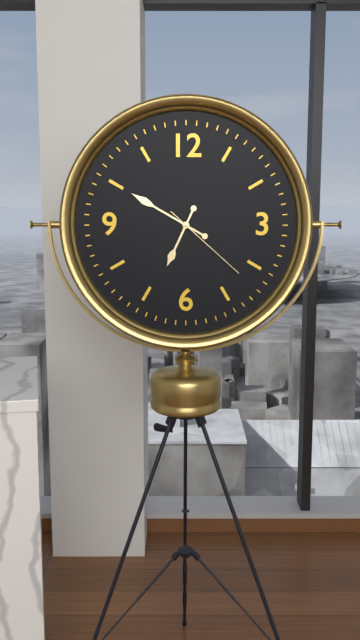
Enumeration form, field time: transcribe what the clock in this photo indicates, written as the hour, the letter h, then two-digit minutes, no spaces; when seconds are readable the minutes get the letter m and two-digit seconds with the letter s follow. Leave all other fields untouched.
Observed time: 6h50m22s
